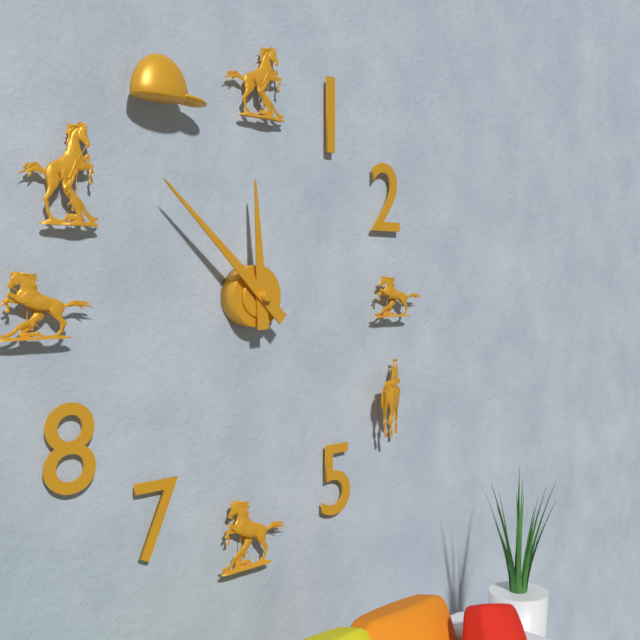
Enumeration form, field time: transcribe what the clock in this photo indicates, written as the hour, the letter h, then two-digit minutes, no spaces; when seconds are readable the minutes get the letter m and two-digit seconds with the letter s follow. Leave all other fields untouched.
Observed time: 11h52
